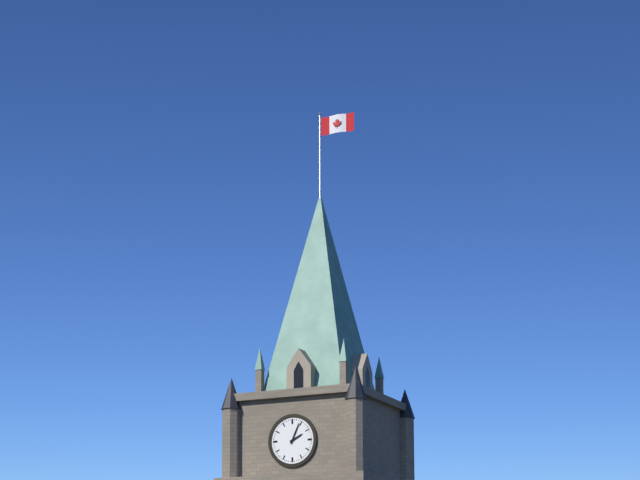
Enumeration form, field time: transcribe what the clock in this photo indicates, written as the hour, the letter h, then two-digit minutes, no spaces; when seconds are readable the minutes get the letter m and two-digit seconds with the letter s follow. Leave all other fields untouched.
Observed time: 2h04
